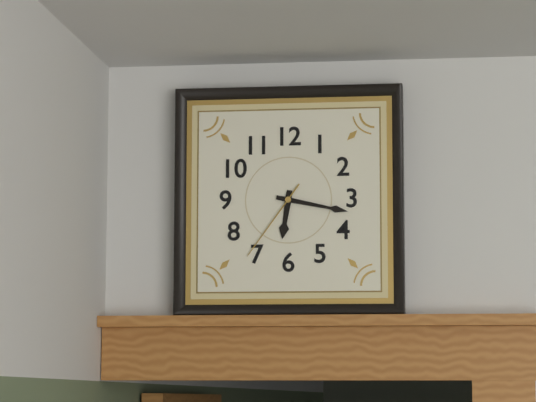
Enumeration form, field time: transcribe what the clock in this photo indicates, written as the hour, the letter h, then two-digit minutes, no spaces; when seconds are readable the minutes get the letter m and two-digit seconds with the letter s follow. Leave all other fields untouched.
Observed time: 6h17m36s
